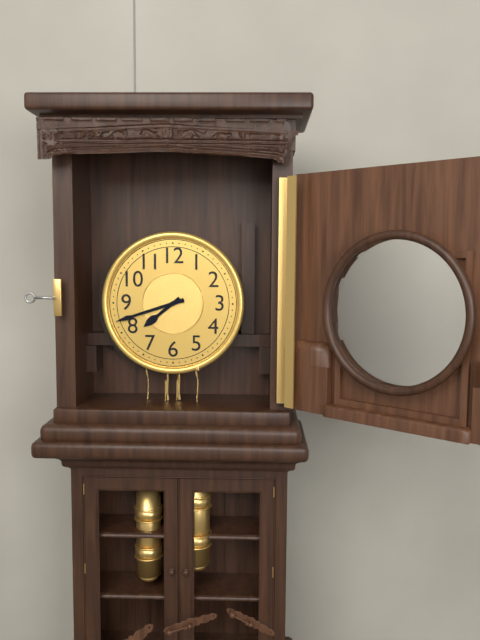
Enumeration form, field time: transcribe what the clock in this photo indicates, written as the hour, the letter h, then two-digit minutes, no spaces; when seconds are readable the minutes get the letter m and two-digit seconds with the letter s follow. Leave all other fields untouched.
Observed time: 7h42
